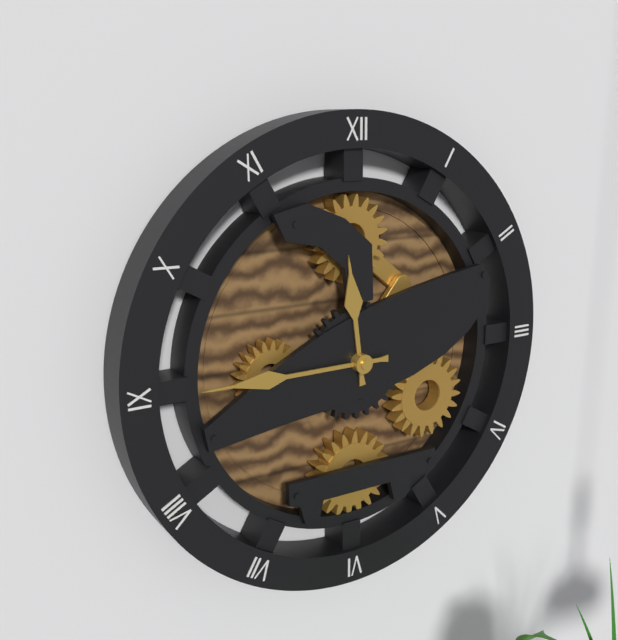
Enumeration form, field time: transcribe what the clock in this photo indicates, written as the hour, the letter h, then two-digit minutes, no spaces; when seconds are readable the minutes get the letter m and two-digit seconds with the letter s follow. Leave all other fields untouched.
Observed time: 11h45
